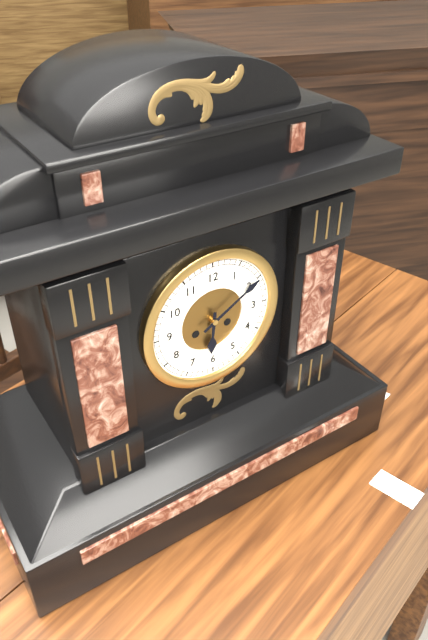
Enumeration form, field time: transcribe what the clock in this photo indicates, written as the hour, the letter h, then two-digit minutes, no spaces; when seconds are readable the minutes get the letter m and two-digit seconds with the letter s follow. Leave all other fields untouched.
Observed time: 6h10
